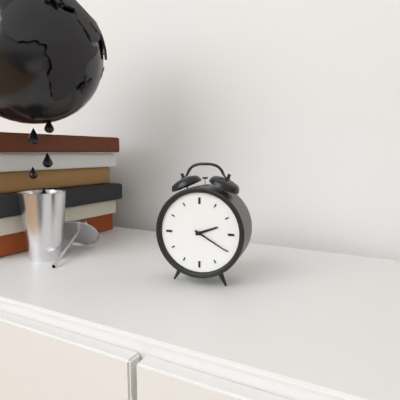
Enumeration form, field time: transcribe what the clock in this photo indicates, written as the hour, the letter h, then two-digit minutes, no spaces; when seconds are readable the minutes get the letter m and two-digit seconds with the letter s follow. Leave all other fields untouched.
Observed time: 2h20
